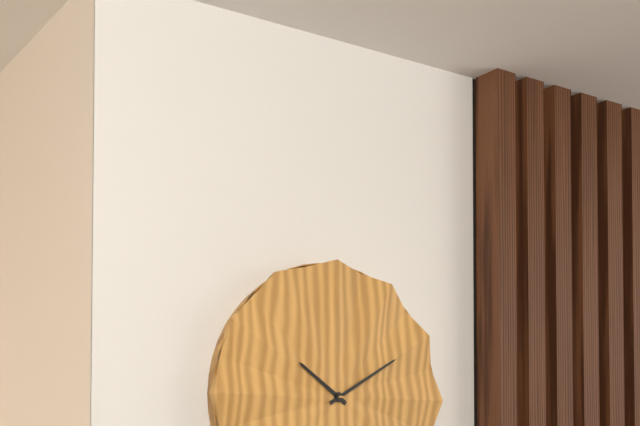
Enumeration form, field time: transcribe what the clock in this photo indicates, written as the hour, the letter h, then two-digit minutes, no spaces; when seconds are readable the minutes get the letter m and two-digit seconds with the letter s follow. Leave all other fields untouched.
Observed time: 10h10
